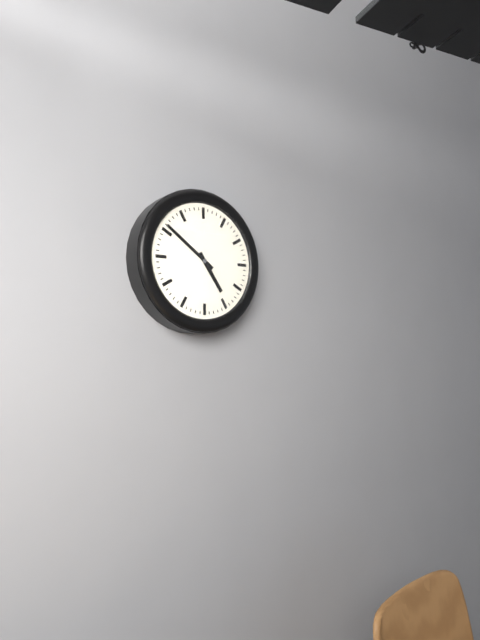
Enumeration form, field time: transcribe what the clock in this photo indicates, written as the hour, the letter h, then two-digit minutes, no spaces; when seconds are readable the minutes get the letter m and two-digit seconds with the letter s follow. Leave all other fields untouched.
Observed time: 4h51
